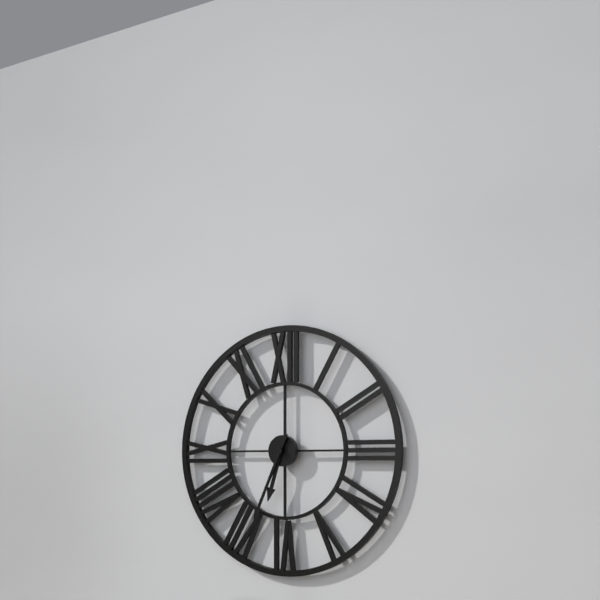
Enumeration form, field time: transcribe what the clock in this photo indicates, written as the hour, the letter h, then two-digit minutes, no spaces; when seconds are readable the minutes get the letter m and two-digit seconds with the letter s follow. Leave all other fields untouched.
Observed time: 6h34
